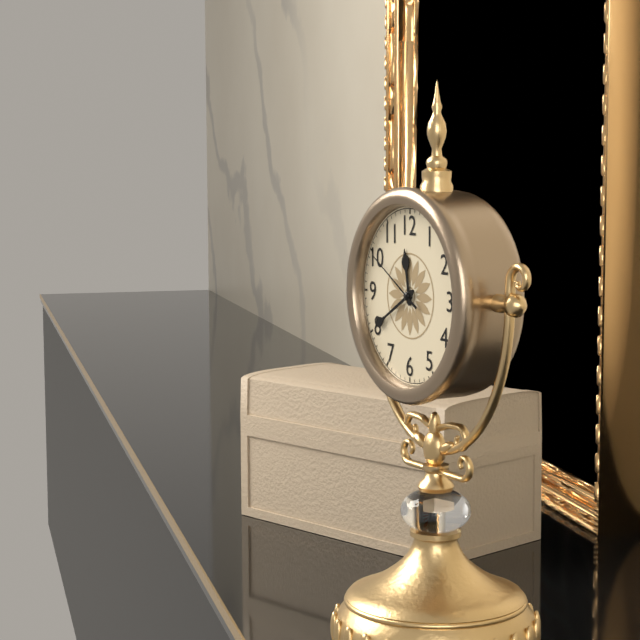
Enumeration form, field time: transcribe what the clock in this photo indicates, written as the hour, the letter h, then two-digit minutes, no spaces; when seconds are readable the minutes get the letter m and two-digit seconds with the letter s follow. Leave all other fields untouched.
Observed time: 11h40m50s
